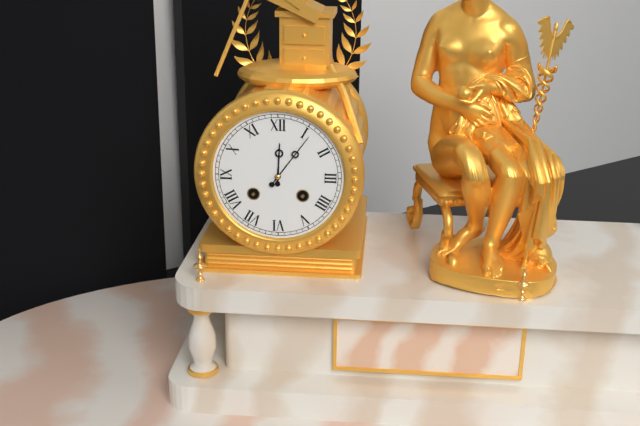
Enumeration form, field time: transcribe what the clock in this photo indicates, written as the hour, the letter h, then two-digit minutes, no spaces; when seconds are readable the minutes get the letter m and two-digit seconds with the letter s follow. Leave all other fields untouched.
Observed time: 12h06
